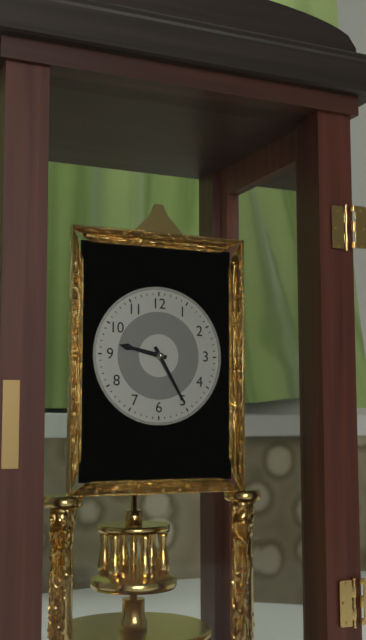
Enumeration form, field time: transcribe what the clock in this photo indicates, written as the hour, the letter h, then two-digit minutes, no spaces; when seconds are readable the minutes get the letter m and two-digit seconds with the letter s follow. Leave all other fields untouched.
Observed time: 9h25
